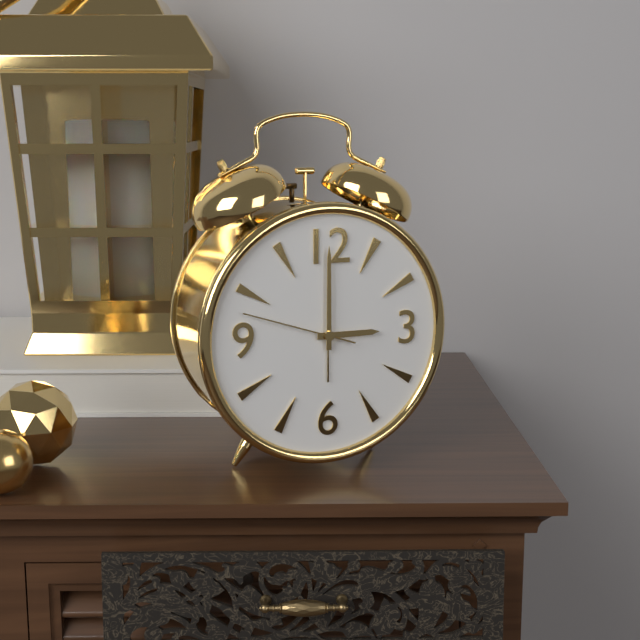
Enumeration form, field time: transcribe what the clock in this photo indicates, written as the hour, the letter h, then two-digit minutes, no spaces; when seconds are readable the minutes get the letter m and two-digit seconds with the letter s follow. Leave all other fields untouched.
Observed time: 3h00m48s
